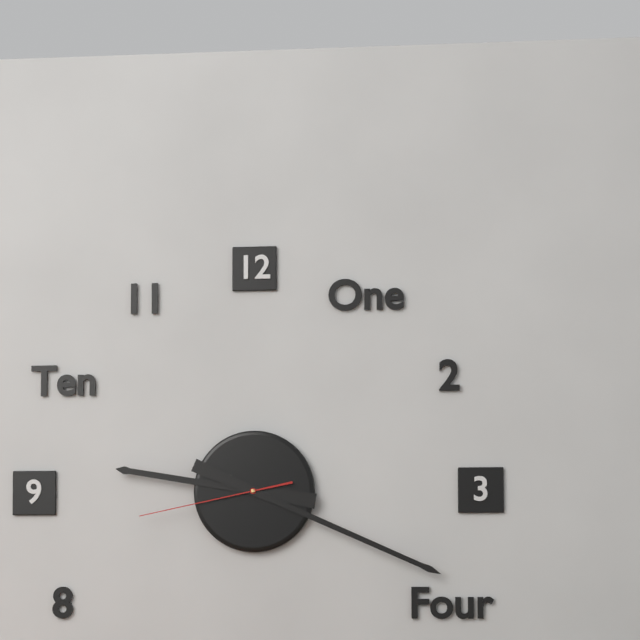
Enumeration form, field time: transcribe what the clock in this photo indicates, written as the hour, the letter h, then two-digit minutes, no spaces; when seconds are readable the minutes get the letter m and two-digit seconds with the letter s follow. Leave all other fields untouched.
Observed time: 9h19m43s
